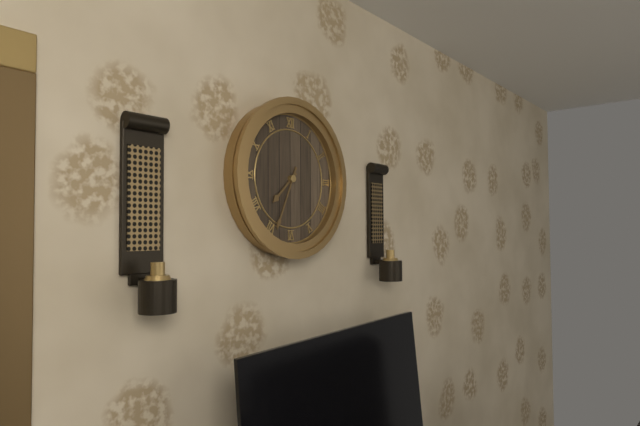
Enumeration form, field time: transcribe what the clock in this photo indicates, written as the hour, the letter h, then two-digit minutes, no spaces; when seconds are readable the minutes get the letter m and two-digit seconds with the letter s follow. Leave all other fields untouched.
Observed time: 7h34
